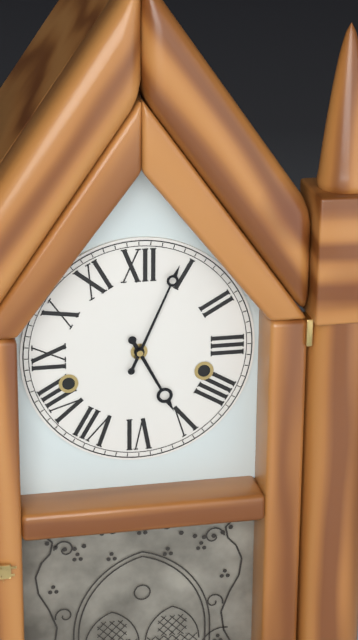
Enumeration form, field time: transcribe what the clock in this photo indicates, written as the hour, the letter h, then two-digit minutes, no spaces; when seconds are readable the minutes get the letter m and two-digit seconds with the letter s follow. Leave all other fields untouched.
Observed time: 5h04
